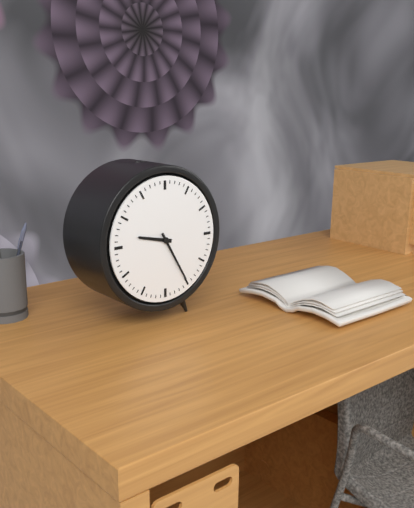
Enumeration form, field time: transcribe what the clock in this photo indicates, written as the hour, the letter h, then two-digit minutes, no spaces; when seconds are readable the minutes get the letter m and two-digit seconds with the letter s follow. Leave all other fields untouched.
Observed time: 9h25
